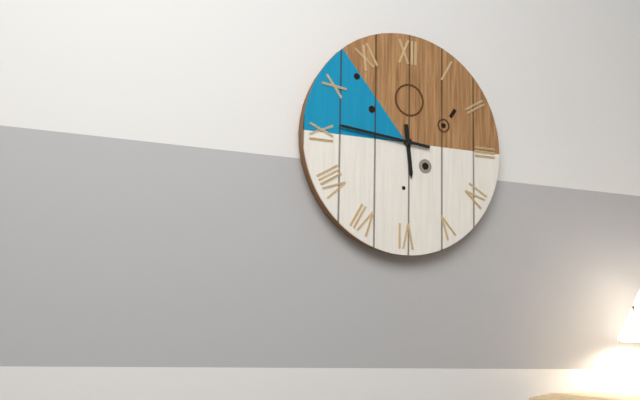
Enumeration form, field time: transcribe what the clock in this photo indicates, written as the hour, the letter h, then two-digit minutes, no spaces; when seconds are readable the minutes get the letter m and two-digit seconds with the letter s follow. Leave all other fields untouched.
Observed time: 5h46
